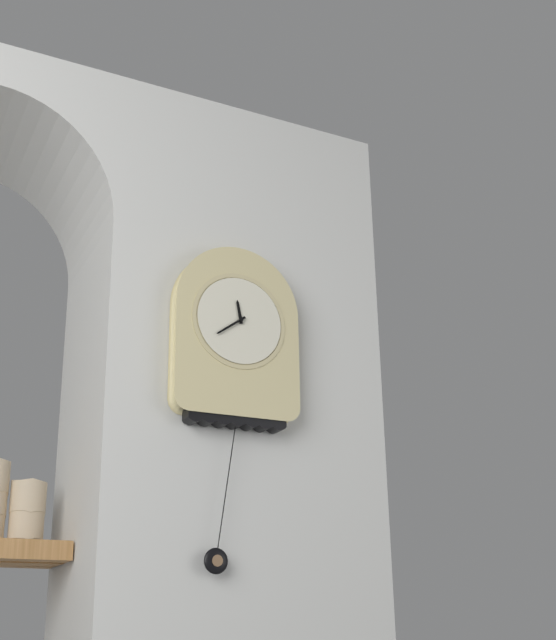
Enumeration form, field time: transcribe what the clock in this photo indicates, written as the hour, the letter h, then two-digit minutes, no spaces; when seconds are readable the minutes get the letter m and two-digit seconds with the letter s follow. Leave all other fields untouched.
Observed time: 11h39
